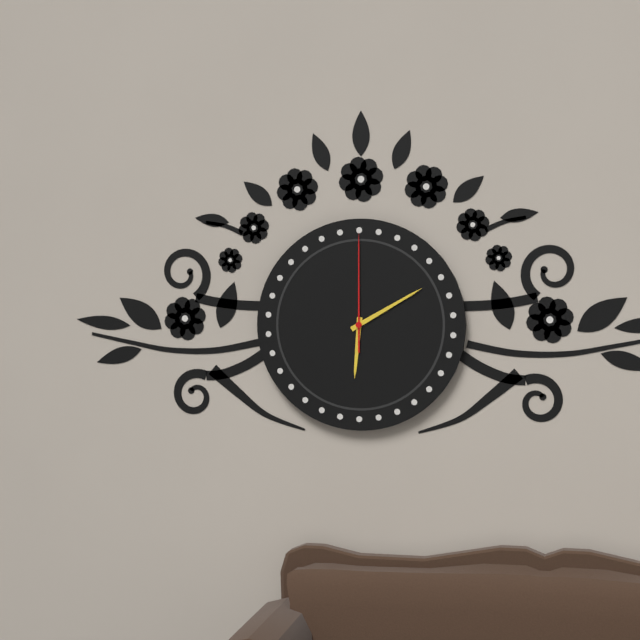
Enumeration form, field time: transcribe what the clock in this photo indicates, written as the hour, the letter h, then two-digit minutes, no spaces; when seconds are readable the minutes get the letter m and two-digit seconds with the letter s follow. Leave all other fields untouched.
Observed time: 6h10m00s
